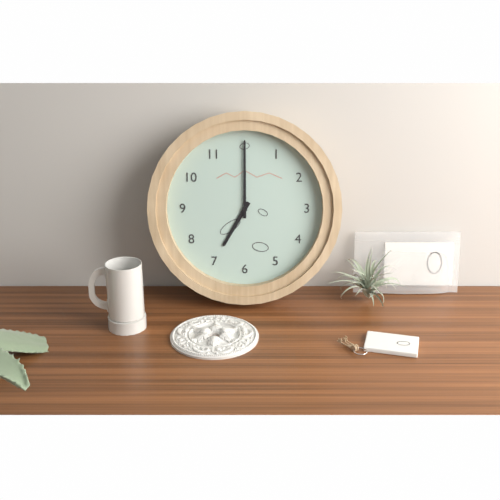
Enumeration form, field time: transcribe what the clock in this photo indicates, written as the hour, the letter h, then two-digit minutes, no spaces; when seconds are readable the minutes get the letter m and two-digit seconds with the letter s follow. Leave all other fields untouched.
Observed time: 7h00
